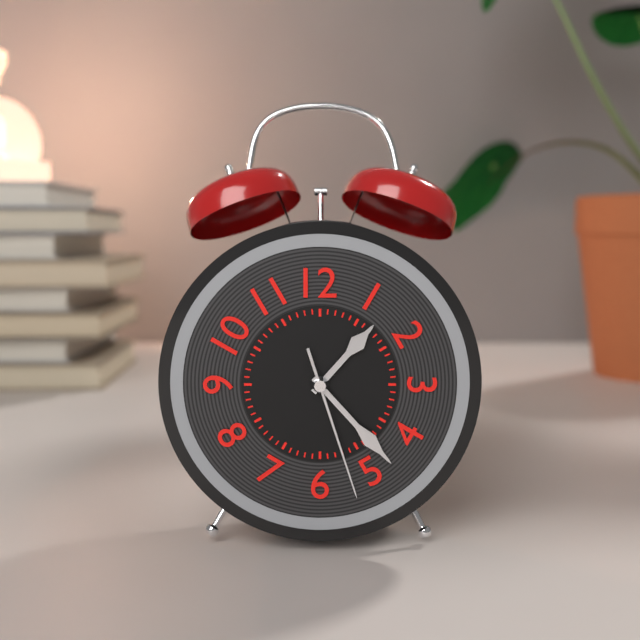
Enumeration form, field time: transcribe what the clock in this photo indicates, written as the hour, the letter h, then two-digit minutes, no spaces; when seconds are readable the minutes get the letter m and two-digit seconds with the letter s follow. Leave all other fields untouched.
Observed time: 1h23m27s
